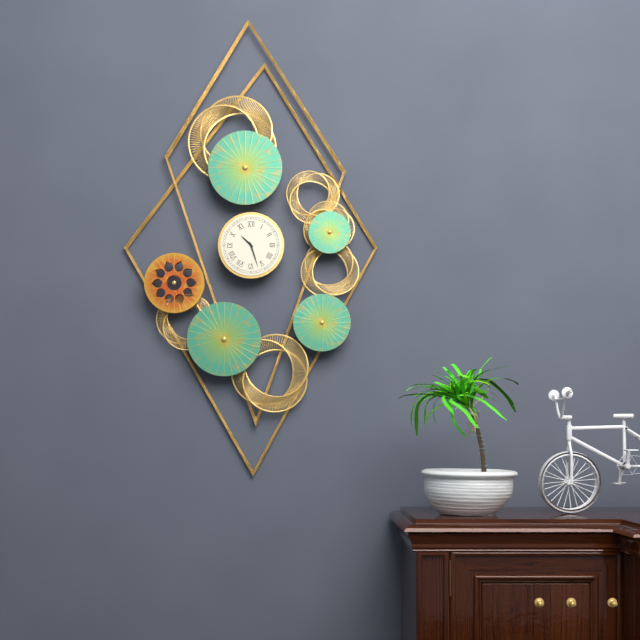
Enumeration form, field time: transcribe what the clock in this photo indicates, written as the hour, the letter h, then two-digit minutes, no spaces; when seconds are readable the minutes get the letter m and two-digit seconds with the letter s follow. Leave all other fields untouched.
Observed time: 10h27
